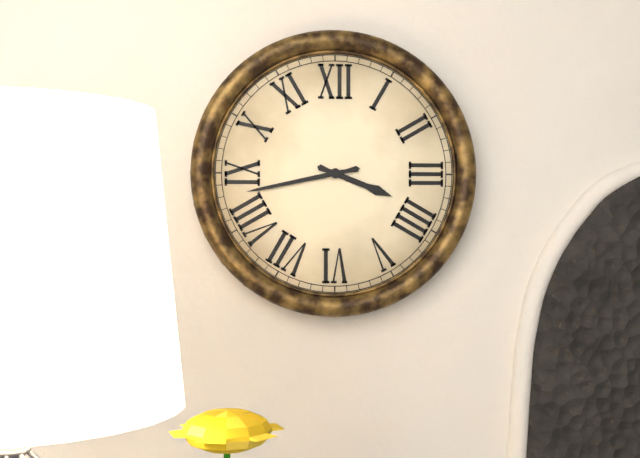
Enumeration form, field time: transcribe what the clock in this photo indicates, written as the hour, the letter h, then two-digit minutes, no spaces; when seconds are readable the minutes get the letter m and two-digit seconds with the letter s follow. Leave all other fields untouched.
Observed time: 3h43
